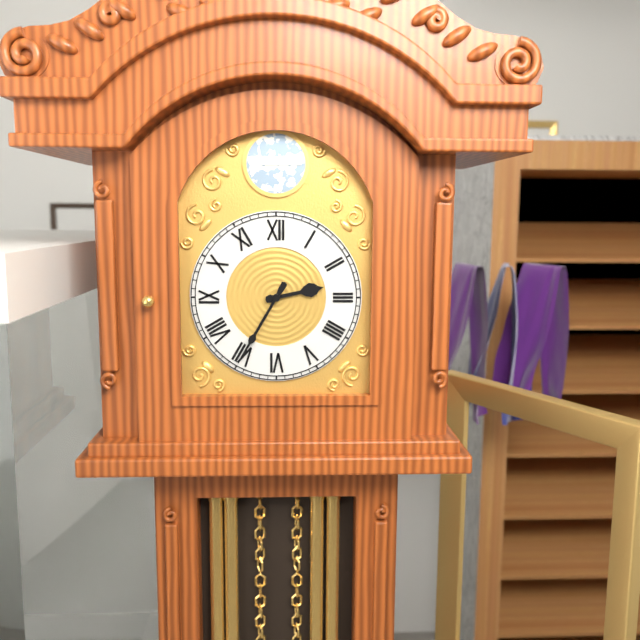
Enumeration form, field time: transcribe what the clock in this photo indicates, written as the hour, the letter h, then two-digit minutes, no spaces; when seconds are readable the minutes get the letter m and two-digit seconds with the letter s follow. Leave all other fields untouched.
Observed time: 2h35
